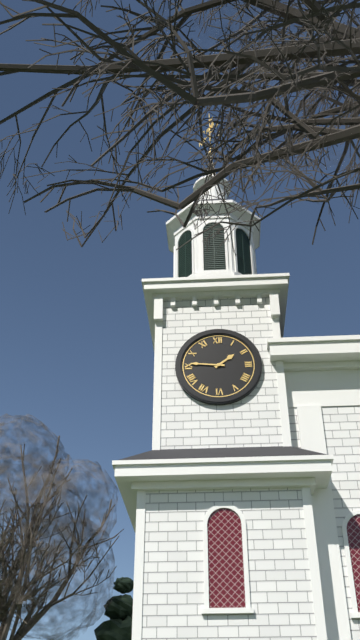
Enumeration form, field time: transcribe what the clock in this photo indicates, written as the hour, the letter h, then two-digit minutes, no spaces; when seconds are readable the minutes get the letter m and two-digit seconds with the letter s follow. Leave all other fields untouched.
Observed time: 1h46
